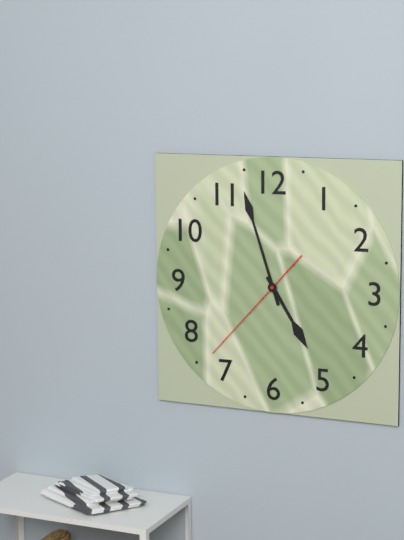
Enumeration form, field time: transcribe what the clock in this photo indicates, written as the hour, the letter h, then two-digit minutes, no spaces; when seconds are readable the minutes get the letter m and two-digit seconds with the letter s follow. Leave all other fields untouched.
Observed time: 4h57m37s
